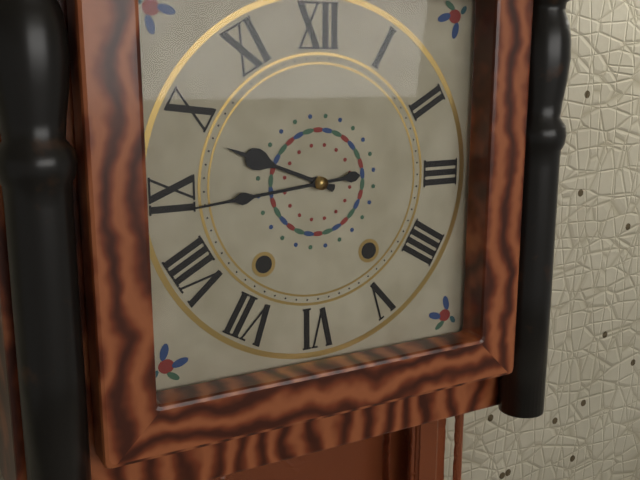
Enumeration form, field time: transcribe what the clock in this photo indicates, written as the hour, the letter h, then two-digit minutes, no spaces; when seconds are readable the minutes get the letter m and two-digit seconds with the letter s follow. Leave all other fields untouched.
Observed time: 9h44
